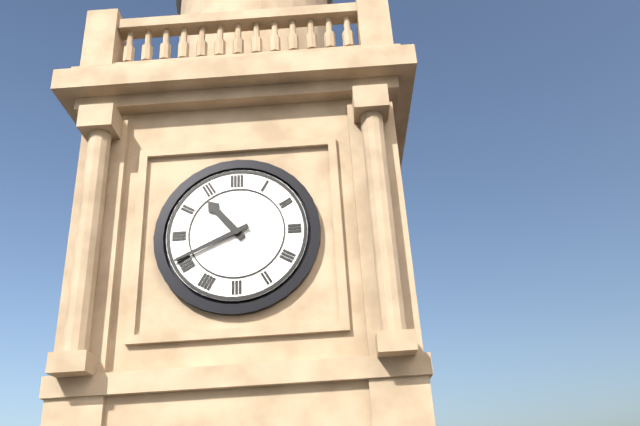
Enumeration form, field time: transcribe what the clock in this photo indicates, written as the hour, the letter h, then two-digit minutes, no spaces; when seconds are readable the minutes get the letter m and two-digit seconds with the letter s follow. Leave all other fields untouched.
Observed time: 10h41
